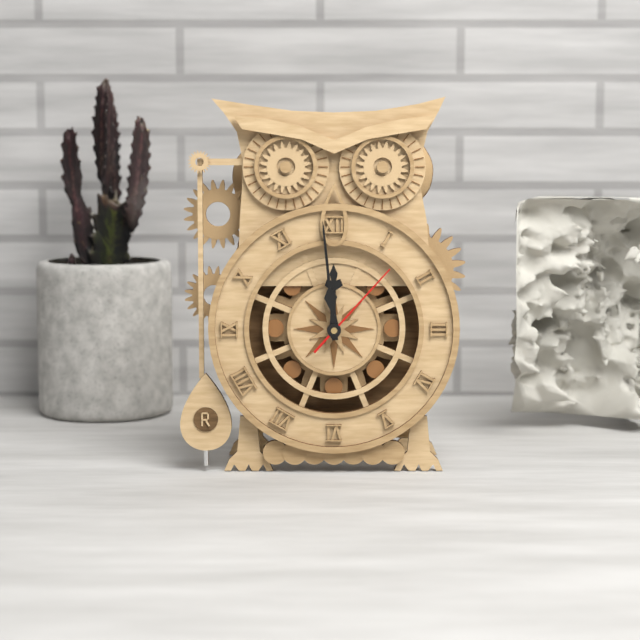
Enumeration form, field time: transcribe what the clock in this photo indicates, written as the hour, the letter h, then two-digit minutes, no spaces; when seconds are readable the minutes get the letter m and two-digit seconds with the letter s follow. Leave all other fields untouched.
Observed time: 11h59m07s
